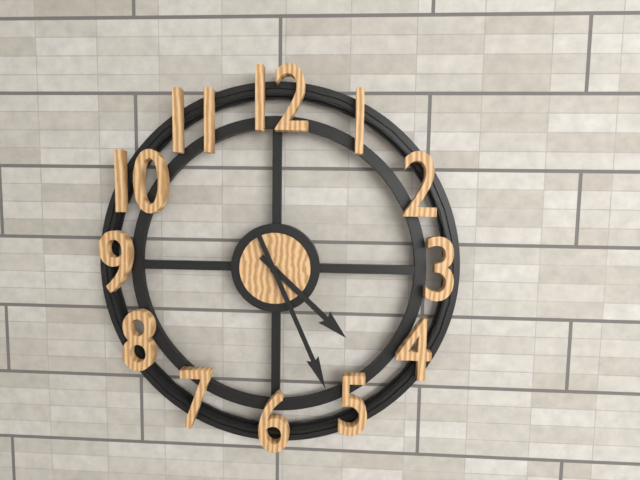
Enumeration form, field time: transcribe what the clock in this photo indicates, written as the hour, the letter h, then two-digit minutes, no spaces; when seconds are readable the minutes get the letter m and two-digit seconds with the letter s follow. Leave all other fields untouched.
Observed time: 4h26
